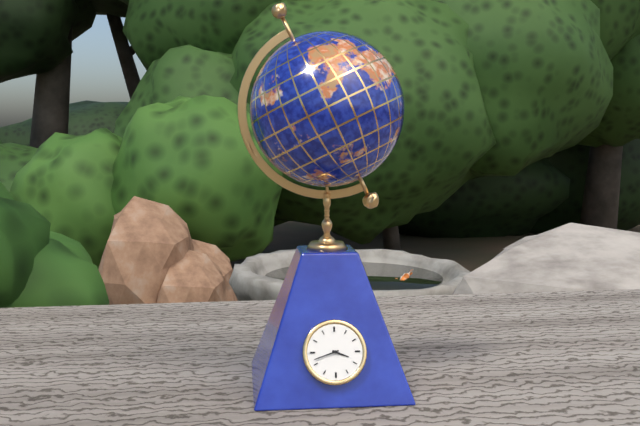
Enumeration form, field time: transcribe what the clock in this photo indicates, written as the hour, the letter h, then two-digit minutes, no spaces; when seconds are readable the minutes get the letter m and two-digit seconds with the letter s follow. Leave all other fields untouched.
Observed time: 3h42
